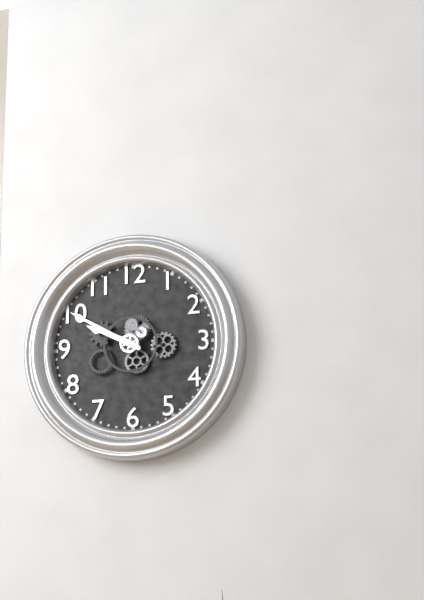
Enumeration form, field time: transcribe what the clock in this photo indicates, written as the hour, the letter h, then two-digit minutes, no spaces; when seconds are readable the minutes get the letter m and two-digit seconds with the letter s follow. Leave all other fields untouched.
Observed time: 9h50
